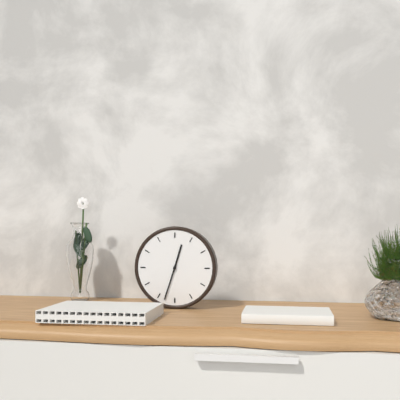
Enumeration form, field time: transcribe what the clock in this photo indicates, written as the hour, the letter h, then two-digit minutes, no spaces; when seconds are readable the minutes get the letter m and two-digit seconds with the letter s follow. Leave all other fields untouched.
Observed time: 12h33
